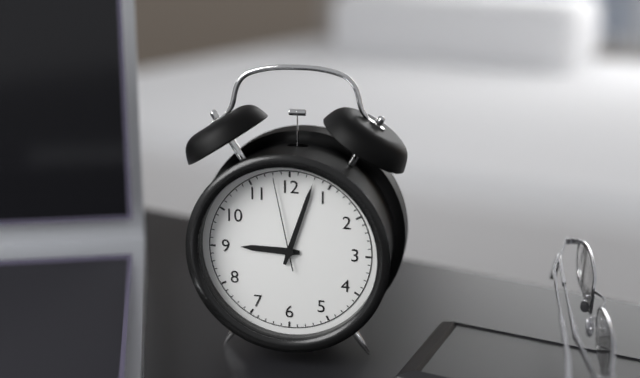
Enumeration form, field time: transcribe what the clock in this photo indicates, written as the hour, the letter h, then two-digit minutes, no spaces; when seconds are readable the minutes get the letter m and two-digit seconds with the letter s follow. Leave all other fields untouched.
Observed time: 9h03m58s
